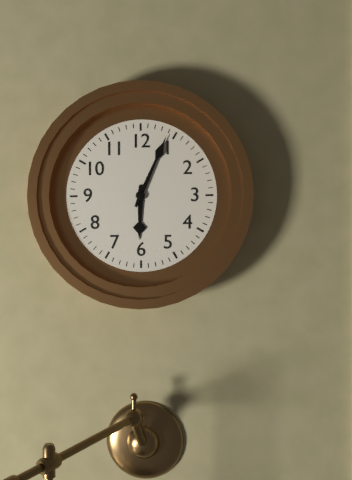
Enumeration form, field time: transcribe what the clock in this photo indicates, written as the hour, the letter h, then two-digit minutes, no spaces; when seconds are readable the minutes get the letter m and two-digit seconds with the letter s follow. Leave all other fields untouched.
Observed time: 6h04
